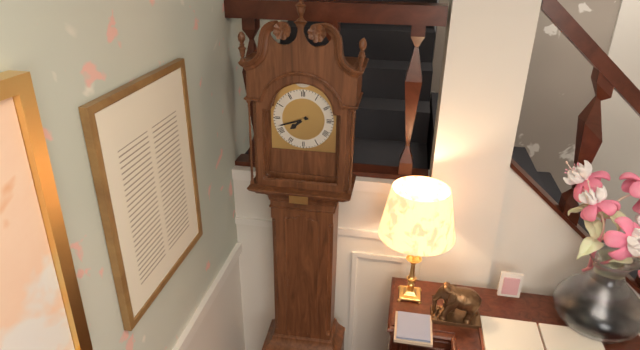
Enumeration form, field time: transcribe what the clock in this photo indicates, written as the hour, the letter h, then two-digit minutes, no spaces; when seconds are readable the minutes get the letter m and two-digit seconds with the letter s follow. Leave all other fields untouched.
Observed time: 7h42
